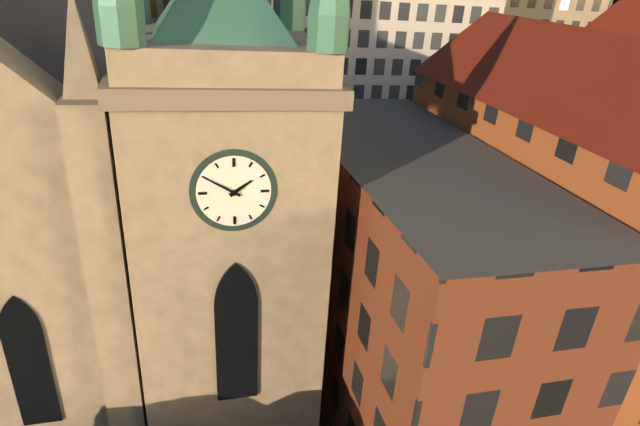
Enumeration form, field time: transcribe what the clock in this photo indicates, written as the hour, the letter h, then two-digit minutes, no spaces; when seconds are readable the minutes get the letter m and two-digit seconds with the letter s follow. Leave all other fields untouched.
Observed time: 1h50
